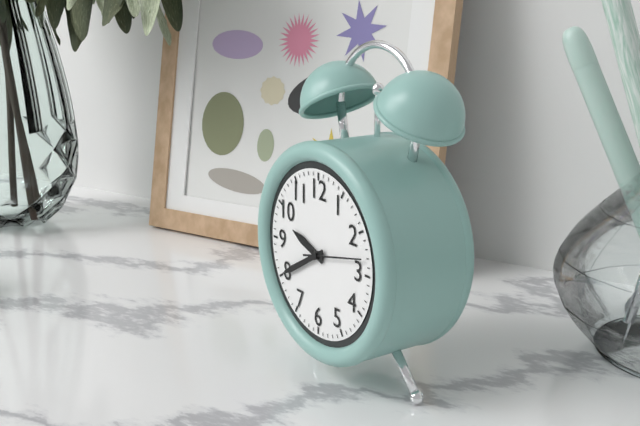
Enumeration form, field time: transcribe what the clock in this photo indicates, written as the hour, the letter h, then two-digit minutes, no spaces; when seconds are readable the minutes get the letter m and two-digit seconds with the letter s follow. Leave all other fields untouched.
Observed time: 9h40m13s
